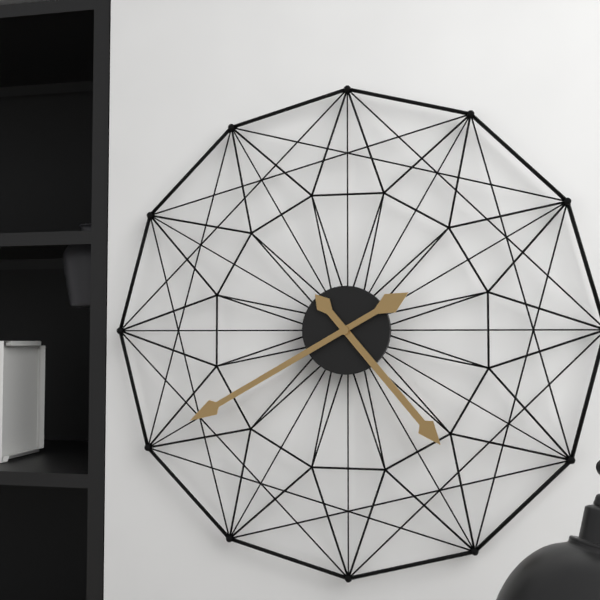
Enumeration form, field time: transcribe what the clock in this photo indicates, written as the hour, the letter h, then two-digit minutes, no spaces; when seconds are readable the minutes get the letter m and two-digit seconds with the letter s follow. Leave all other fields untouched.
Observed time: 4h40
